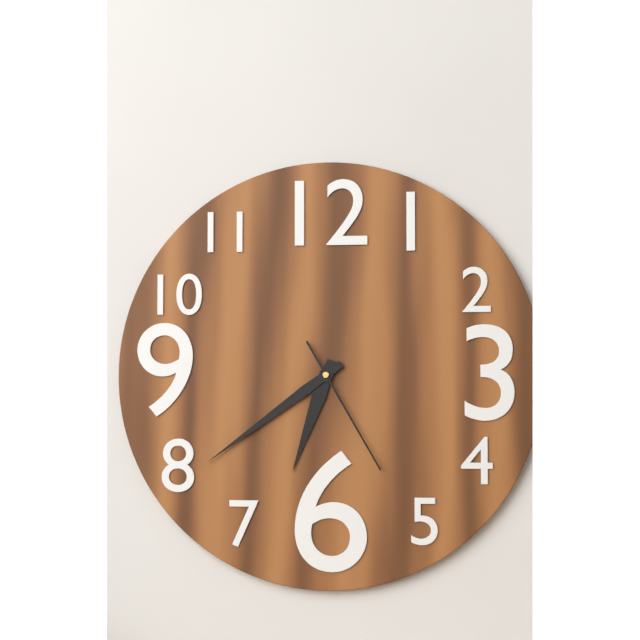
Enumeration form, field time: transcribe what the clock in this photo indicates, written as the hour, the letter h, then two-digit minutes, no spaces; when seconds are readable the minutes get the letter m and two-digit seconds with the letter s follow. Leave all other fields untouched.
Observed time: 6h39m25s
